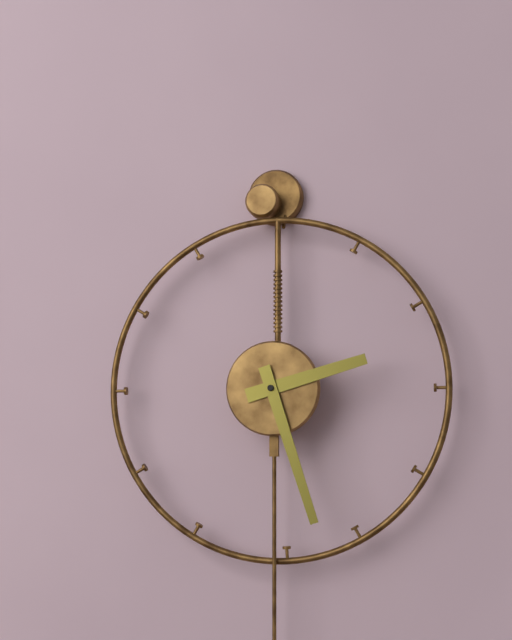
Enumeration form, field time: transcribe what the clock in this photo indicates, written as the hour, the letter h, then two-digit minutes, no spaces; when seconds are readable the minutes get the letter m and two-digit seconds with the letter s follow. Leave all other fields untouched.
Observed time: 2h27
